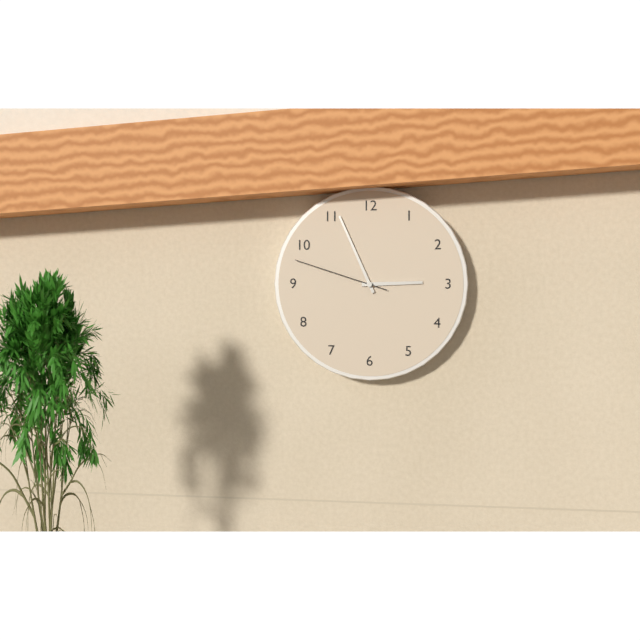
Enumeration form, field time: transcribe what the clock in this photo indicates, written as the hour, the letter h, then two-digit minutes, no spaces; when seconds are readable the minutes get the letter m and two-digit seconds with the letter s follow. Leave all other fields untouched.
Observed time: 2h56m48s
